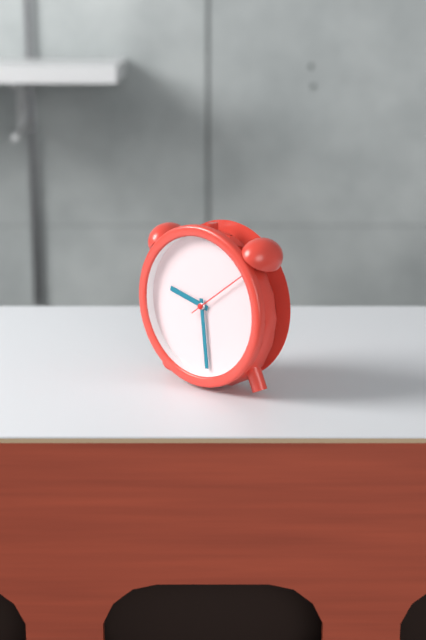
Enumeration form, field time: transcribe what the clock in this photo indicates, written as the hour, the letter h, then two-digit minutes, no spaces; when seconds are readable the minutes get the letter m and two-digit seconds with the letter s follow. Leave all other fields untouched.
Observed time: 9h29m09s
